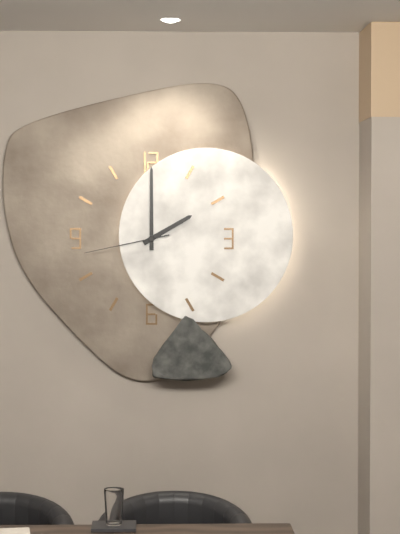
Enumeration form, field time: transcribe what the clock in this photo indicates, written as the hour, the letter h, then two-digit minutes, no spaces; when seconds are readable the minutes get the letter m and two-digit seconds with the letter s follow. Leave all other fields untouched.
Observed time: 2h00m43s
